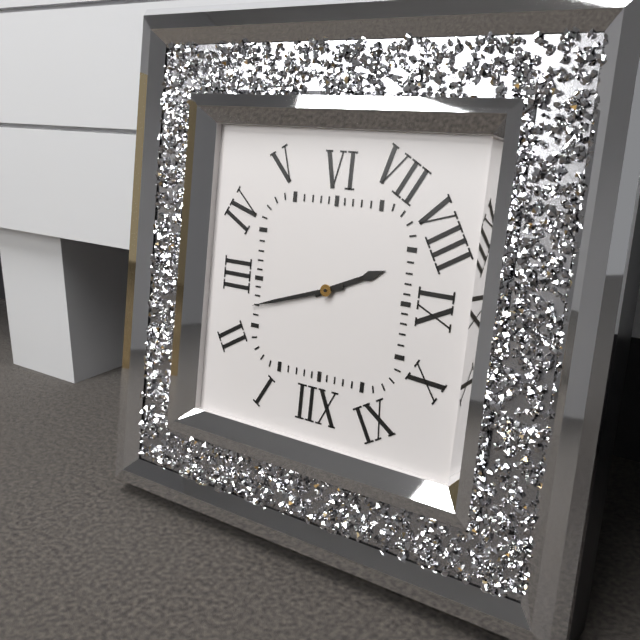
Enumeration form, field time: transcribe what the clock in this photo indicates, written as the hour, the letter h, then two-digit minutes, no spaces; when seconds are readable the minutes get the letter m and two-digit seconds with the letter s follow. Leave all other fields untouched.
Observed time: 8h12
